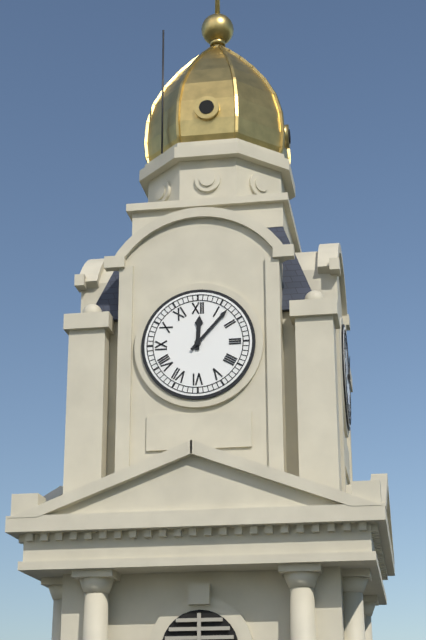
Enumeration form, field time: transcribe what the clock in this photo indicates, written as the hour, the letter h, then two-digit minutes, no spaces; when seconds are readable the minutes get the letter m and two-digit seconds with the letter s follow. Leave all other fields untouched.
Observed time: 12h07
